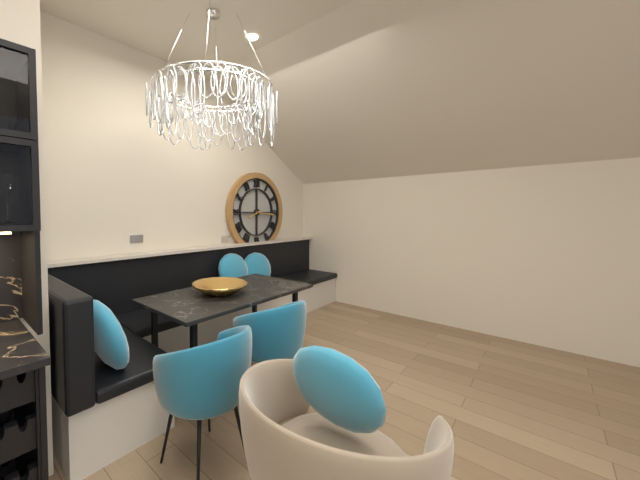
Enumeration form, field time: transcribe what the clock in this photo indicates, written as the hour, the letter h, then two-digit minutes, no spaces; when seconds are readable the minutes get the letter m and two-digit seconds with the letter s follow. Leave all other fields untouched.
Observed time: 8h16
